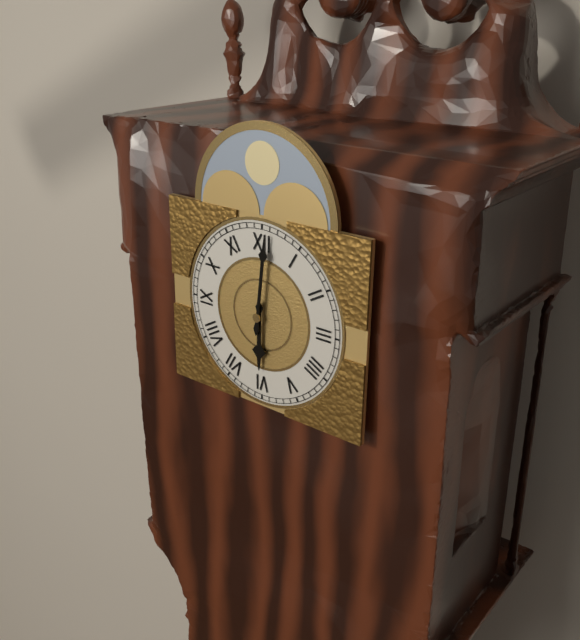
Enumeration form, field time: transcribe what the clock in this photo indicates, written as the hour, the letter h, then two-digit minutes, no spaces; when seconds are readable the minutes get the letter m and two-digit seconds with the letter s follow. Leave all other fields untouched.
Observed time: 6h01
